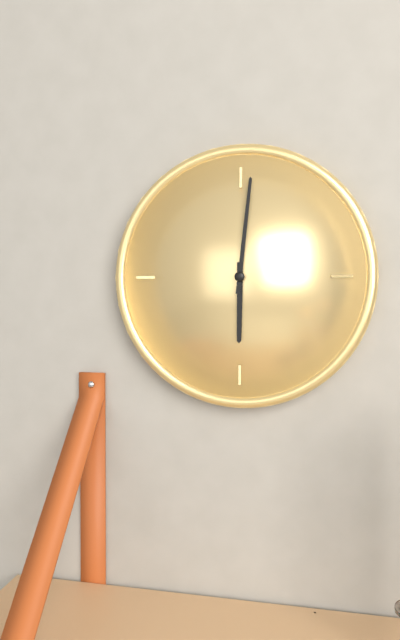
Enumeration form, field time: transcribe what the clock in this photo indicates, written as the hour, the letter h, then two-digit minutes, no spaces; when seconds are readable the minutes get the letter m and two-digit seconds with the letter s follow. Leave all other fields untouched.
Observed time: 6h01
